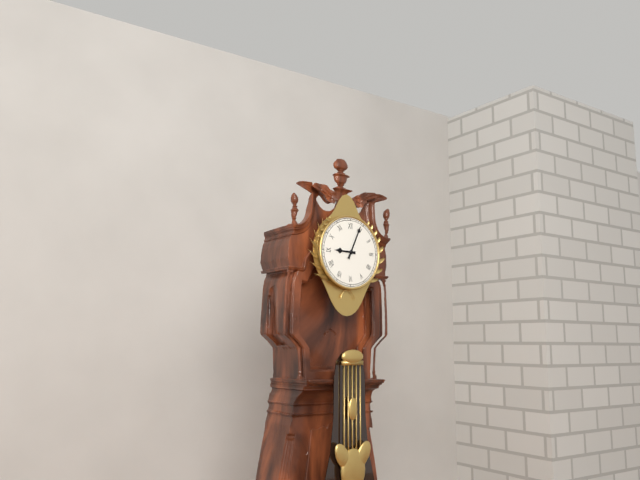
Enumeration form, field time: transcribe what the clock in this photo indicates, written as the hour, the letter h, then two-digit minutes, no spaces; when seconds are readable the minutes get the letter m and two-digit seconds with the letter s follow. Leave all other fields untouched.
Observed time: 9h04
